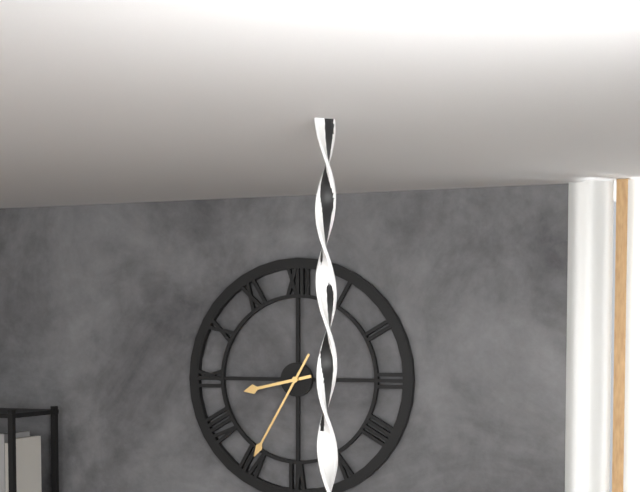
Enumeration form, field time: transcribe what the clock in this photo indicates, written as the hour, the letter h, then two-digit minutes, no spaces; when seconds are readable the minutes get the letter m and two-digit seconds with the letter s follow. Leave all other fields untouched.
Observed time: 8h35
